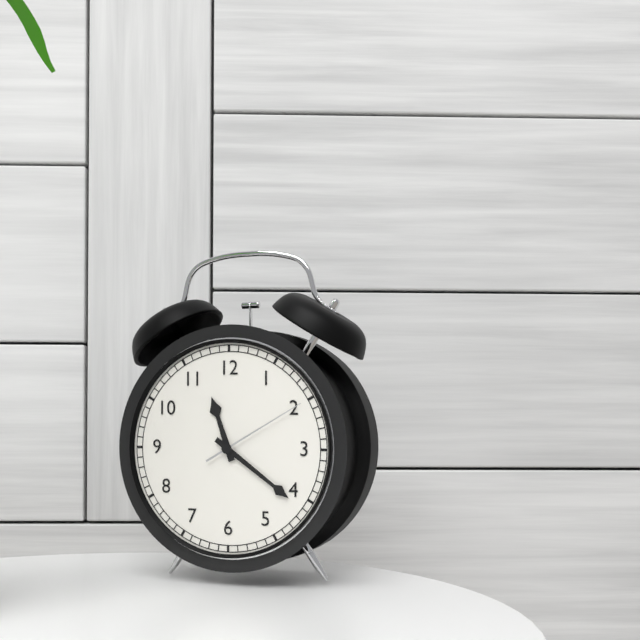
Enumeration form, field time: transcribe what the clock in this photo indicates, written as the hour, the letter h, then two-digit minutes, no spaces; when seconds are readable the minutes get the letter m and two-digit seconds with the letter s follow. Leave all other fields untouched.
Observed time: 11h21m10s
